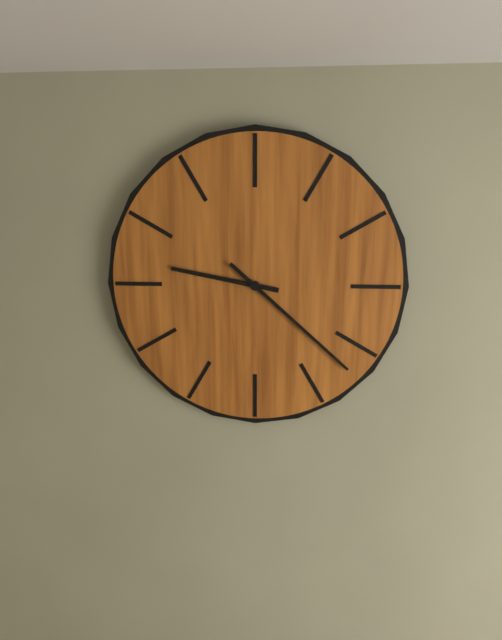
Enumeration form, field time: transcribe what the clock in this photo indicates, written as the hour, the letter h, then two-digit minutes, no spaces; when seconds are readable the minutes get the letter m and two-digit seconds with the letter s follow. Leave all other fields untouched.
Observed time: 9h22
